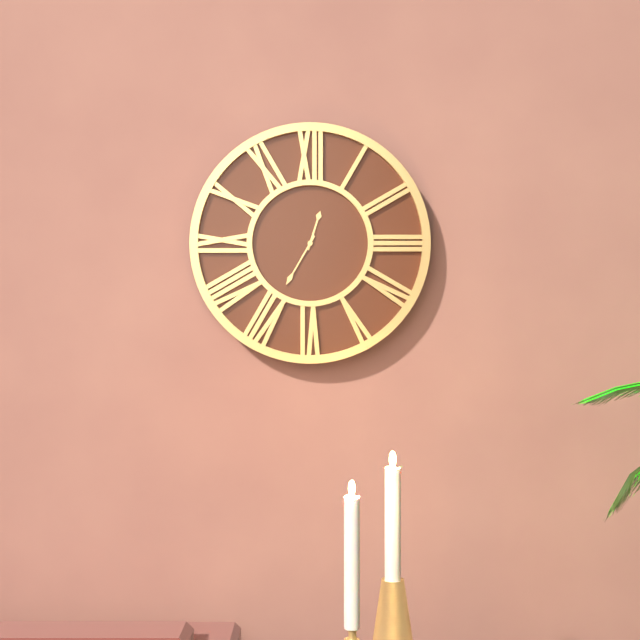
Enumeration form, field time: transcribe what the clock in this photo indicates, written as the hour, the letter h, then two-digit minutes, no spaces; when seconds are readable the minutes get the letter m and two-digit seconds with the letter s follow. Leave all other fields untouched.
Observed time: 12h35
